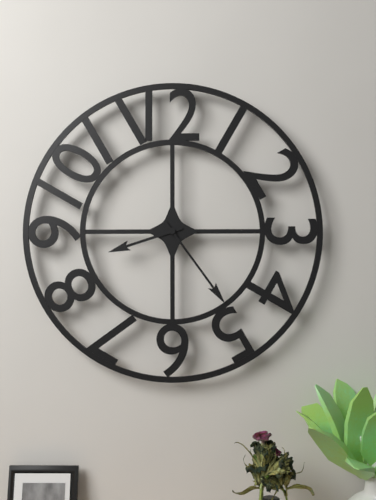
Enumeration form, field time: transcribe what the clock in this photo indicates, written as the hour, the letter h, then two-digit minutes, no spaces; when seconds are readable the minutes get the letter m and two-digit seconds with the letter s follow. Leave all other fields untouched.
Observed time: 8h24
